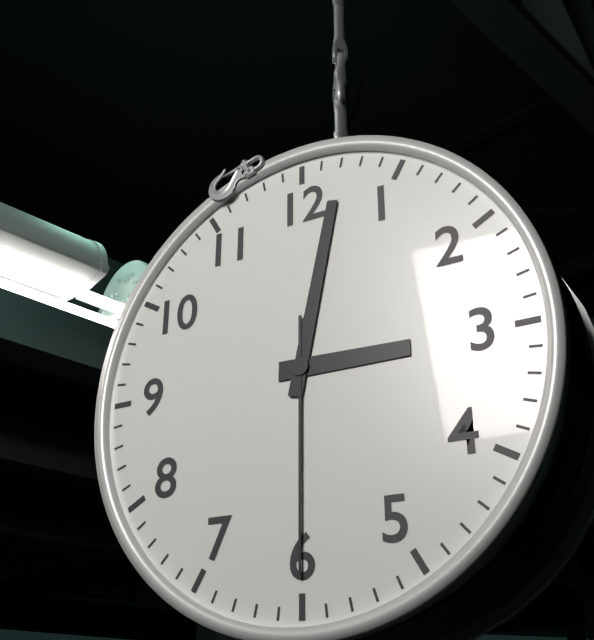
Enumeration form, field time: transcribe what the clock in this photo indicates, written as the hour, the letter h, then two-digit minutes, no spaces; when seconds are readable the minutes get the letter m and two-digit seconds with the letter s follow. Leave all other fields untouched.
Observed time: 3h02m30s
